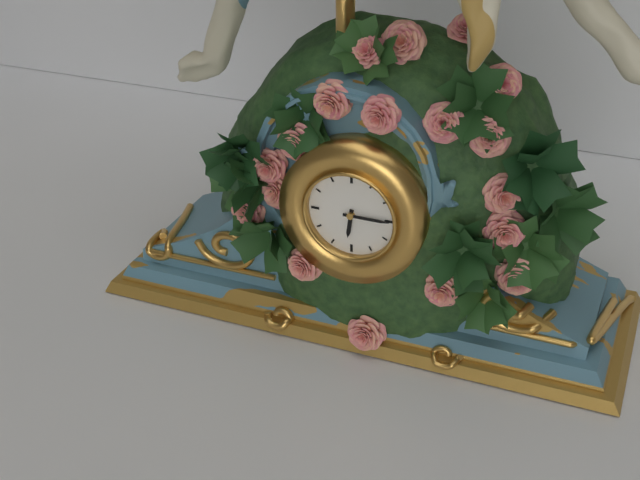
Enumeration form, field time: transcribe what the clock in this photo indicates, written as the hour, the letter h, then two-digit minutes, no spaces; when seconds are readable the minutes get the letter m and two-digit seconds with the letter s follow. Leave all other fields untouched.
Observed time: 6h15
